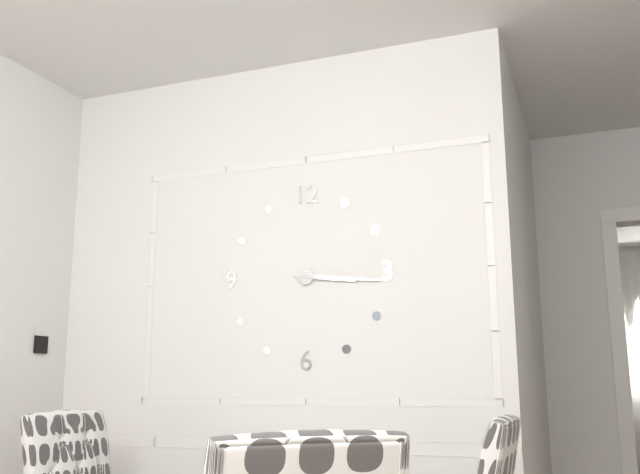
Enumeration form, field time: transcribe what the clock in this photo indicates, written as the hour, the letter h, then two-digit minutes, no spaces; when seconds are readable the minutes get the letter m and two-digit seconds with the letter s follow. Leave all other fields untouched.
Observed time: 3h16
